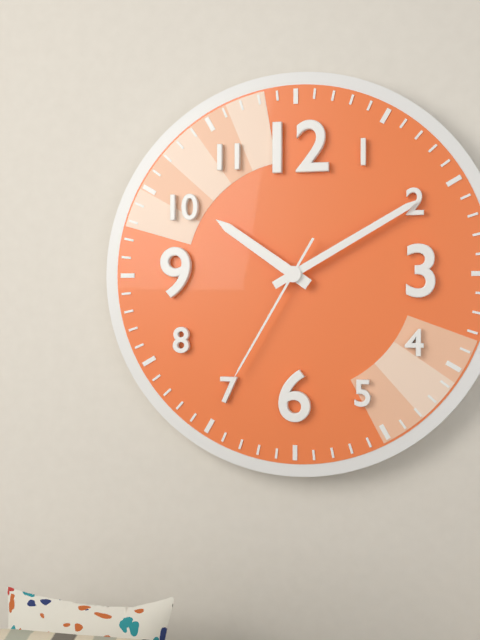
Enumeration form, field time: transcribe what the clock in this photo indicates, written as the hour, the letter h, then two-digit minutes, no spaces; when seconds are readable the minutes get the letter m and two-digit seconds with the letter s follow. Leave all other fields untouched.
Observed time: 10h10m35s
